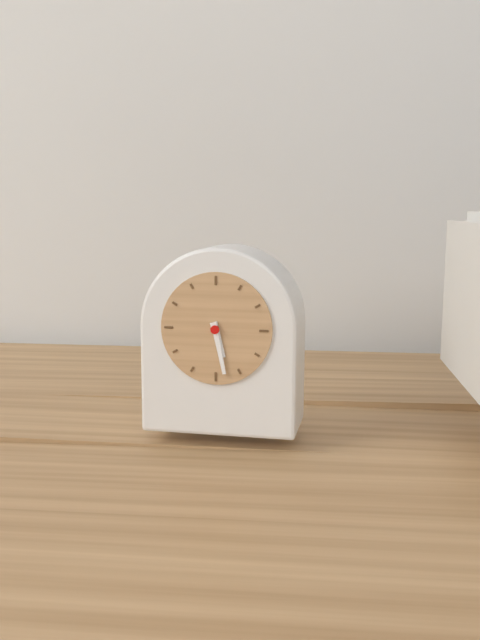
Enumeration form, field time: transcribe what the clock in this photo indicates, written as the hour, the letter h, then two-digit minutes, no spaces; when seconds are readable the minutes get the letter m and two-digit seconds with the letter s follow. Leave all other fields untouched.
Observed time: 5h28
